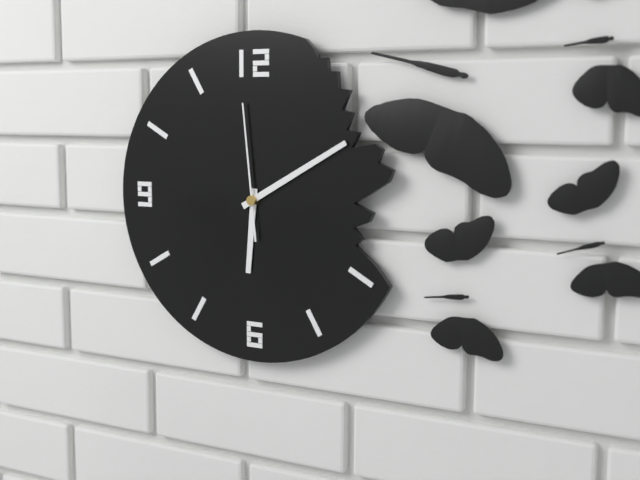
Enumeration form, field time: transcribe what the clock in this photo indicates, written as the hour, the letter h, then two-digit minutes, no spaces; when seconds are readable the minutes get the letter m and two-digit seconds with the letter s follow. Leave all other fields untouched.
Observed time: 6h10m59s
